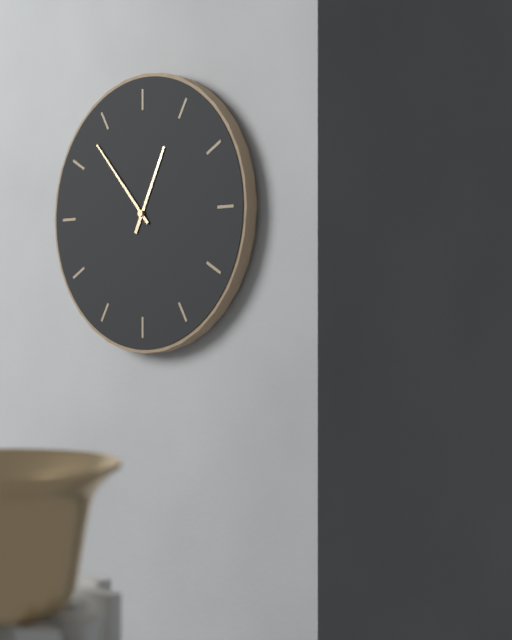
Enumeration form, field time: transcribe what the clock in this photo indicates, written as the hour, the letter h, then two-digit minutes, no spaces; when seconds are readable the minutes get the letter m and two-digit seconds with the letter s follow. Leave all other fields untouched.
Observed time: 12h53
